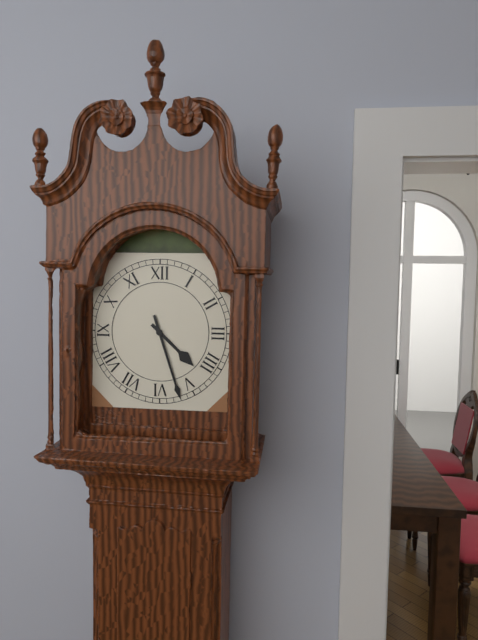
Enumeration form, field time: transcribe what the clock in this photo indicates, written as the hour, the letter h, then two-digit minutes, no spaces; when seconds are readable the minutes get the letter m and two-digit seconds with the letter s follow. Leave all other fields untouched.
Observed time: 4h27
